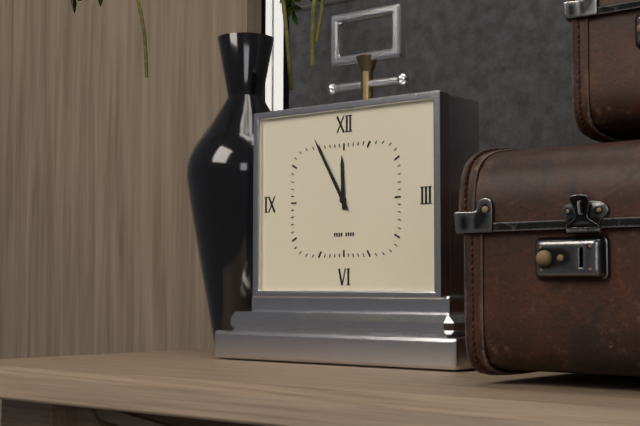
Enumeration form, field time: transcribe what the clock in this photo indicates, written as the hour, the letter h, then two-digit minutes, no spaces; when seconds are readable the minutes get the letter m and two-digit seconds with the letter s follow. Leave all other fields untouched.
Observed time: 11h55
